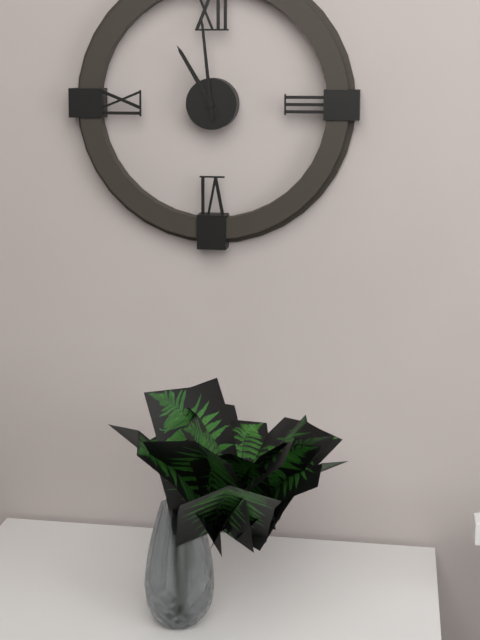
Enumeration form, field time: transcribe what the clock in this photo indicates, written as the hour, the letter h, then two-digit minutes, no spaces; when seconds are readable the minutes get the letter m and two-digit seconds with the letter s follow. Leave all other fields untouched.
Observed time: 10h59
